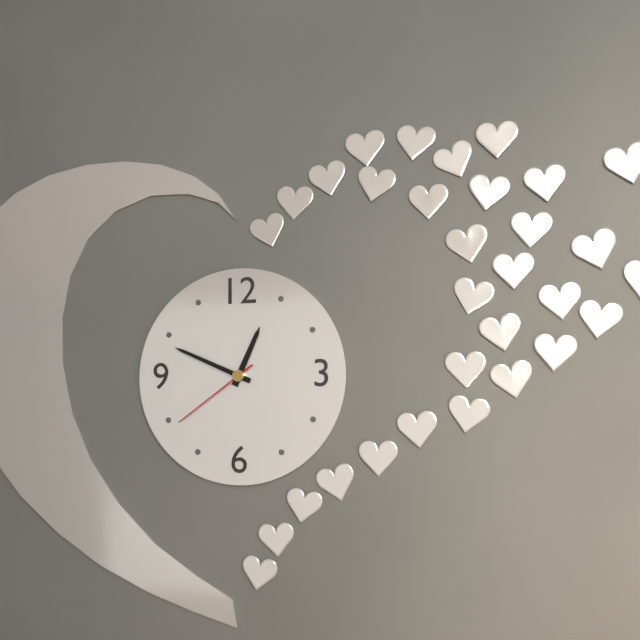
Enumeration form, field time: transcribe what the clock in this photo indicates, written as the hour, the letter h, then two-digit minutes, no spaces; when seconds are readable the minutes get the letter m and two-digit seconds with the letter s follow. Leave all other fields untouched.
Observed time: 12h49m39s
